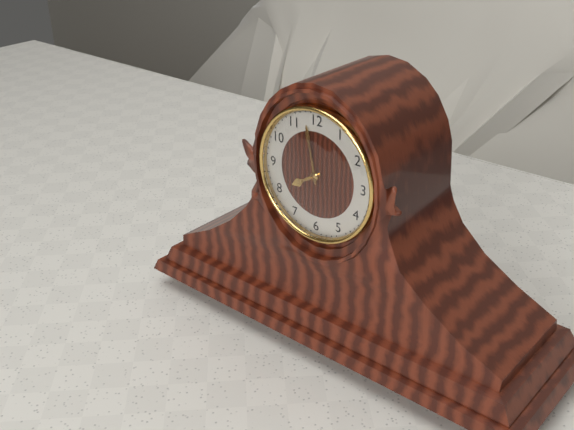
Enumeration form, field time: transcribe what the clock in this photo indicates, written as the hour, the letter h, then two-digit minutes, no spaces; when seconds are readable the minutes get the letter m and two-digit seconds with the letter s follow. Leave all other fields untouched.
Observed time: 7h58
